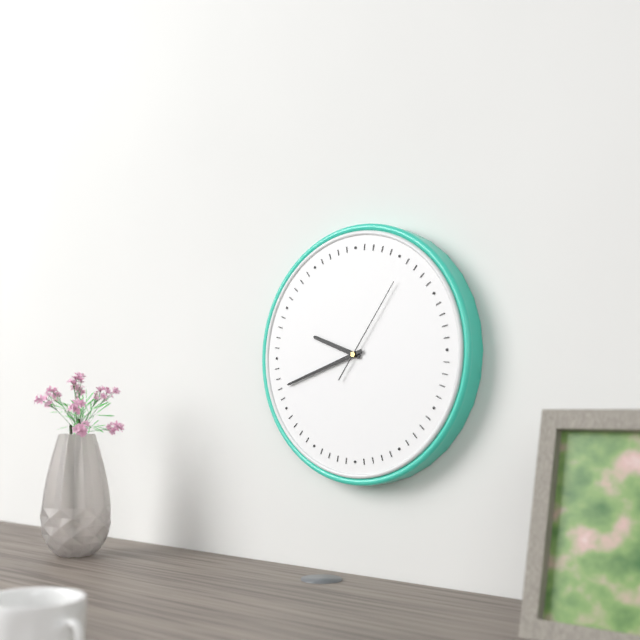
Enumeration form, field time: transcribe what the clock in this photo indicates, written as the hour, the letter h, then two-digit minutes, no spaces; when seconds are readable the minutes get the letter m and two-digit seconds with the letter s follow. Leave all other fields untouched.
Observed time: 9h42m06s
